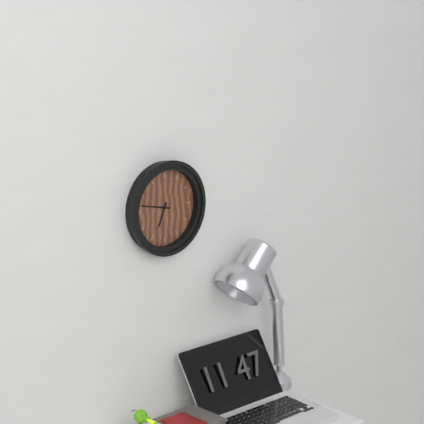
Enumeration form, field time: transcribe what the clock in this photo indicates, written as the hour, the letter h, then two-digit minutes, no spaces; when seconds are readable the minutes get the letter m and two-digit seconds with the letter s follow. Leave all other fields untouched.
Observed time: 6h47
